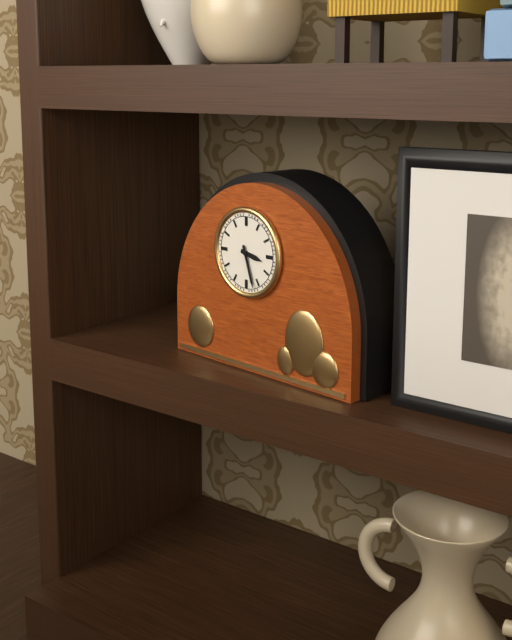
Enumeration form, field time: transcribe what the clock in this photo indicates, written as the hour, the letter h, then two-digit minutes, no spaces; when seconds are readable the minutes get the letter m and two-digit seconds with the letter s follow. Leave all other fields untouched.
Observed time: 3h27
